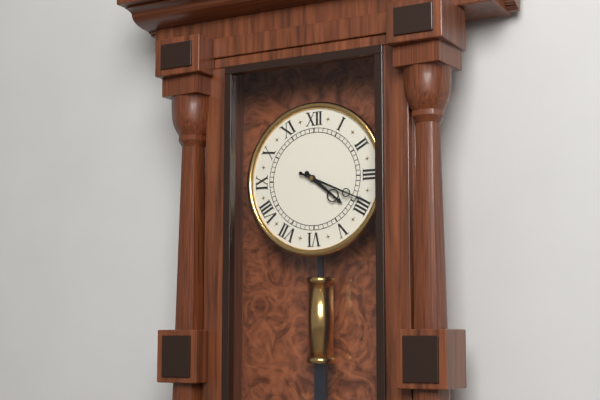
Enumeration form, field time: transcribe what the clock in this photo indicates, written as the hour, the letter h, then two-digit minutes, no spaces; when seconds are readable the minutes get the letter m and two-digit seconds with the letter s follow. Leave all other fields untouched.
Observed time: 4h19
